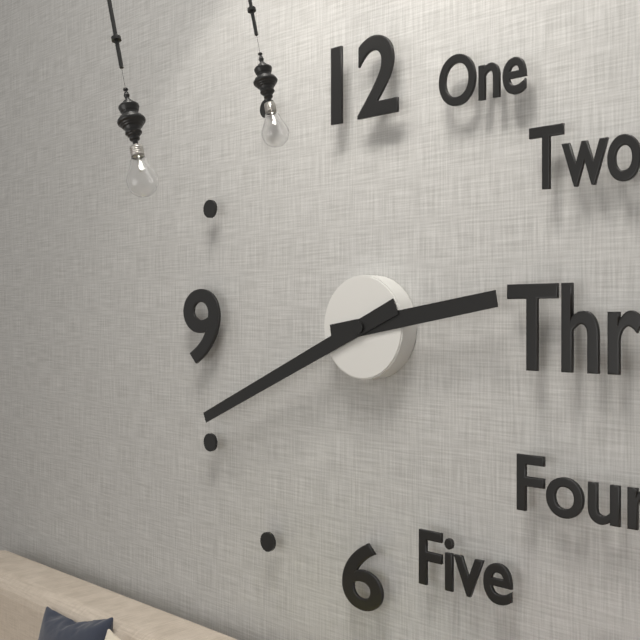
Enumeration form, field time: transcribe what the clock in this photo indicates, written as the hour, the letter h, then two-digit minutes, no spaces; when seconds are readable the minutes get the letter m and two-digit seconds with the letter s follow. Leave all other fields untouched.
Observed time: 2h41
